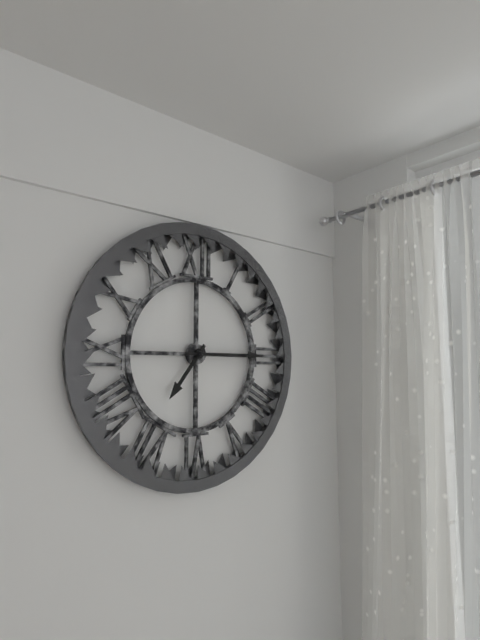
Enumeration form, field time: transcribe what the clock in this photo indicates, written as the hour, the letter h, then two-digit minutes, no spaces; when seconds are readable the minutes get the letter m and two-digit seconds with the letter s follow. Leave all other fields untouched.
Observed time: 7h15
